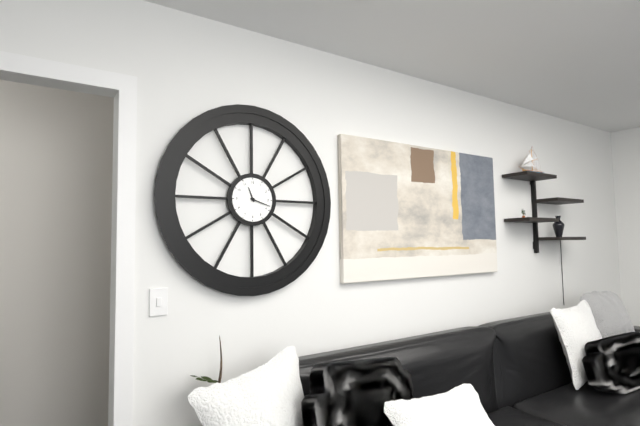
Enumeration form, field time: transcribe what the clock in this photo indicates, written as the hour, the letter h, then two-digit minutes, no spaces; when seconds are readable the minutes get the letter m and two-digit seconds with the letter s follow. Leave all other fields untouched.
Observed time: 11h18
